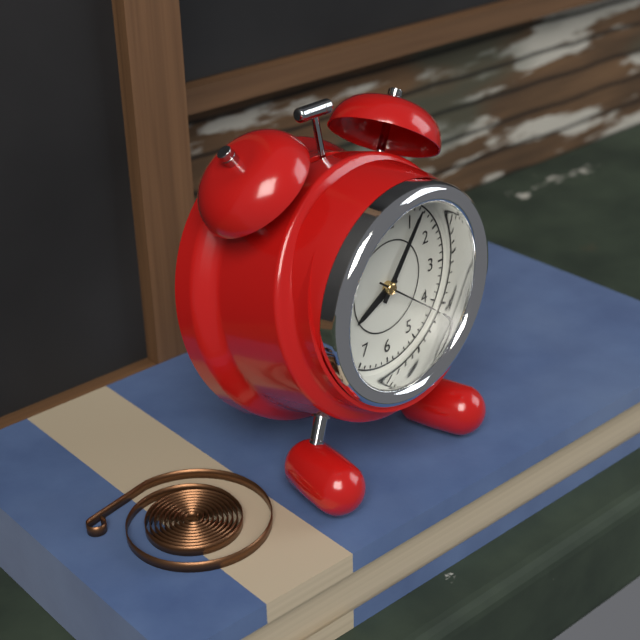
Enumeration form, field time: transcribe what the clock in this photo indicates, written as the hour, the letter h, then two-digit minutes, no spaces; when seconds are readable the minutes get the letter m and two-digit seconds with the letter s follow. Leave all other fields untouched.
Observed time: 8h06m21s
